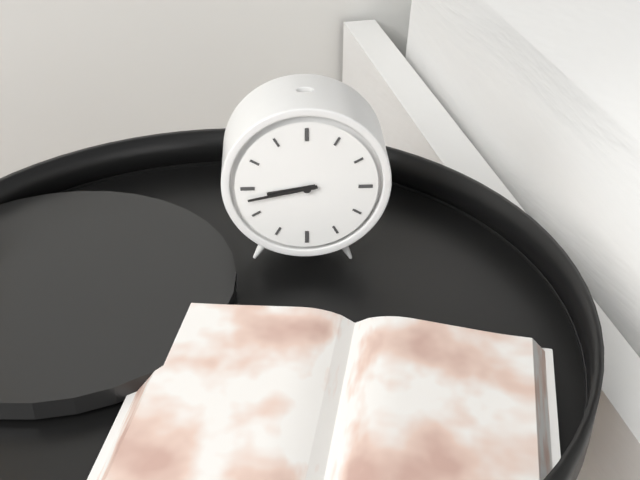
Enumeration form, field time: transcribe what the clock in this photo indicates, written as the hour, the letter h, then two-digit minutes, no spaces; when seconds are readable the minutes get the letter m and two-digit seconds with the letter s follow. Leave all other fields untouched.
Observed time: 8h43
